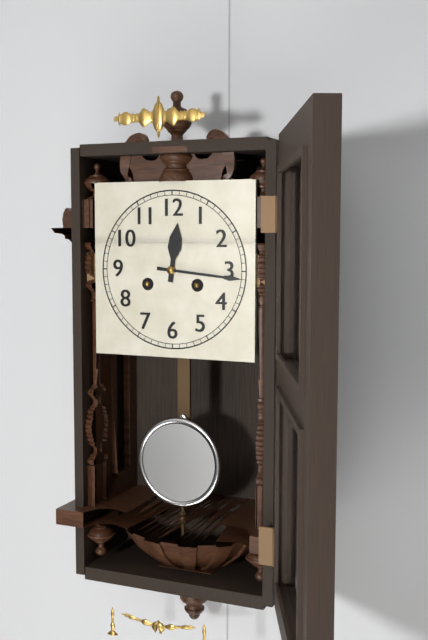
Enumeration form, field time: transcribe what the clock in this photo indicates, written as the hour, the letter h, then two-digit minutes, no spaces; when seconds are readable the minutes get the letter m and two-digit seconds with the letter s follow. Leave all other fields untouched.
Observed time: 12h16
